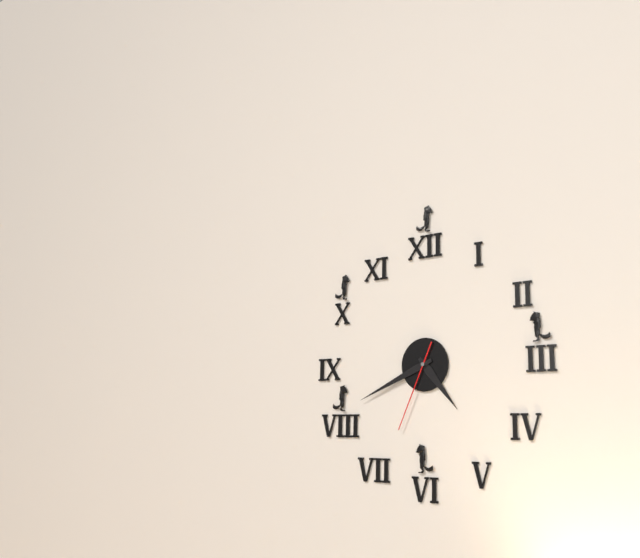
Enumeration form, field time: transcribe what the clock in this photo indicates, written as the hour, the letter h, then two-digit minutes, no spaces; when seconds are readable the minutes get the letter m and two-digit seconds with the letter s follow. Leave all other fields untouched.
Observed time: 4h41m34s
